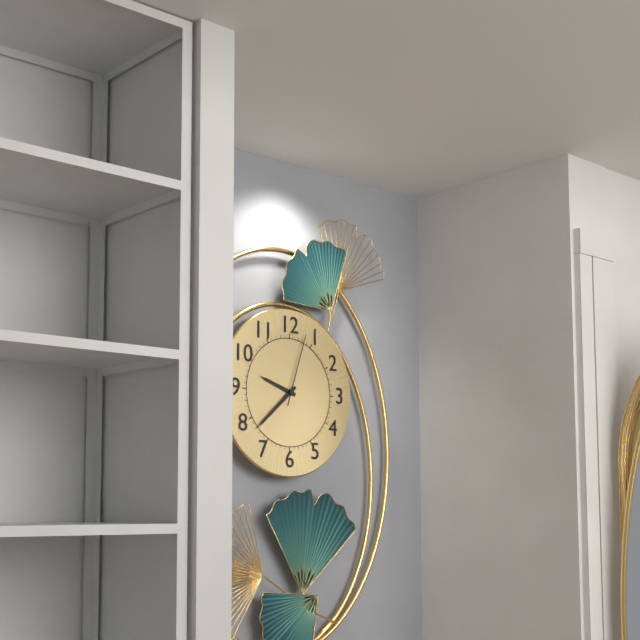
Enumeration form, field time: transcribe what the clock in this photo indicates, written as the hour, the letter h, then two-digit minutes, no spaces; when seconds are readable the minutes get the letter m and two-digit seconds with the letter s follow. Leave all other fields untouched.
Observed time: 9h38m03s
